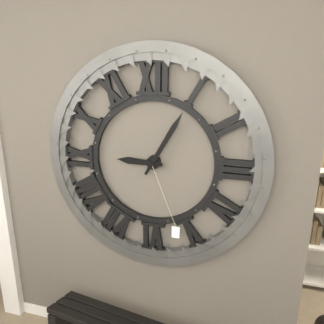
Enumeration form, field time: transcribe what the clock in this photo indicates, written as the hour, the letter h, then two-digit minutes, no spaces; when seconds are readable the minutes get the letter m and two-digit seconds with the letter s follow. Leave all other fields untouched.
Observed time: 9h05
